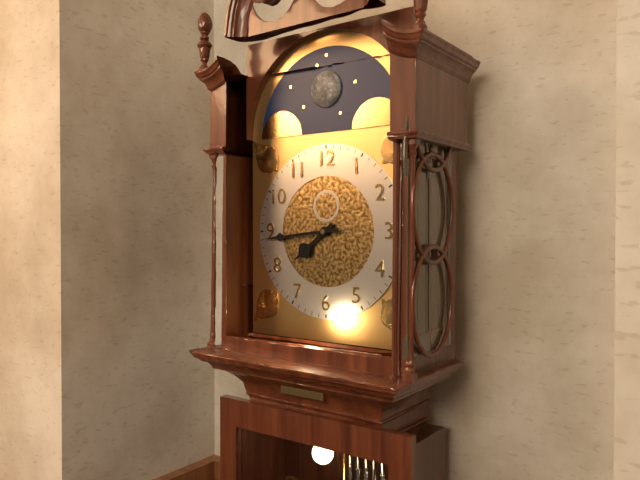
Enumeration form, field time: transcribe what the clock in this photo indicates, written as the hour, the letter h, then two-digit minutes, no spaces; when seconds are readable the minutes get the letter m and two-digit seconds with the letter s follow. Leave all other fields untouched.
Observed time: 7h44
